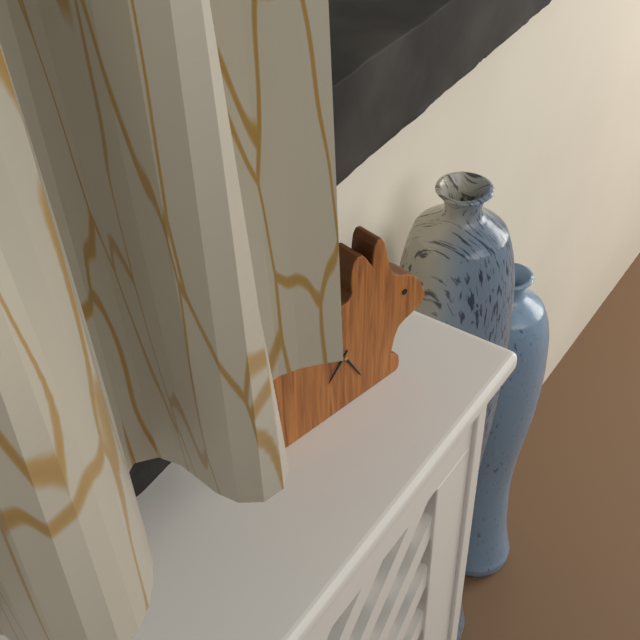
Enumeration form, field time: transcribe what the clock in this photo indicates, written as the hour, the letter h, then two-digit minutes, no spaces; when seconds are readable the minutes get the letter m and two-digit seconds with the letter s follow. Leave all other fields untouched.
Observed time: 7h25
